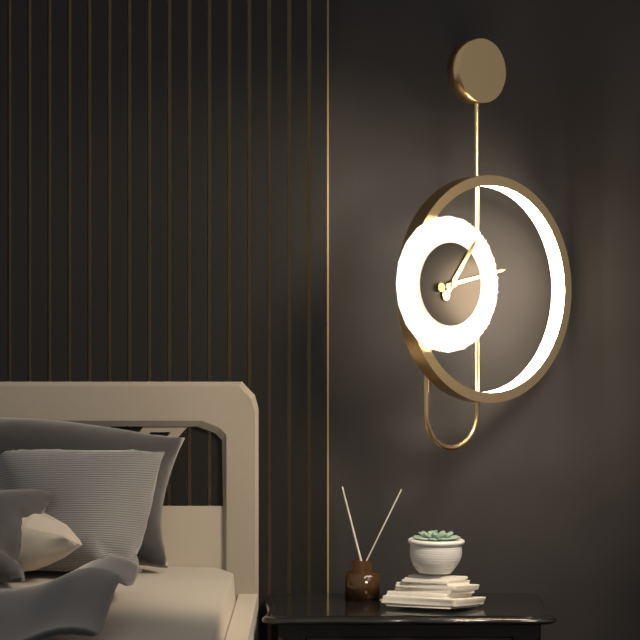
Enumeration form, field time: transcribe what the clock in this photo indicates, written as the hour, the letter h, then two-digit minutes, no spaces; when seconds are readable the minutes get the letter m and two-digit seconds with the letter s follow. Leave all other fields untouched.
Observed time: 1h13
